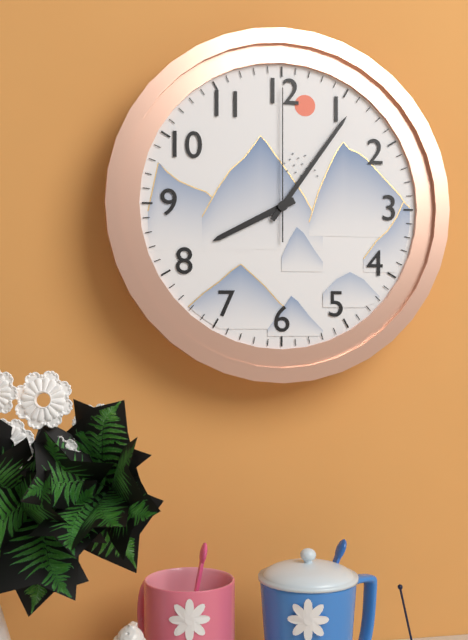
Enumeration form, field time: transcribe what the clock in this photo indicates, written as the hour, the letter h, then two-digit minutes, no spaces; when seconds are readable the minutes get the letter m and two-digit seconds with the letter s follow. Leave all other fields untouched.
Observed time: 8h06m00s
